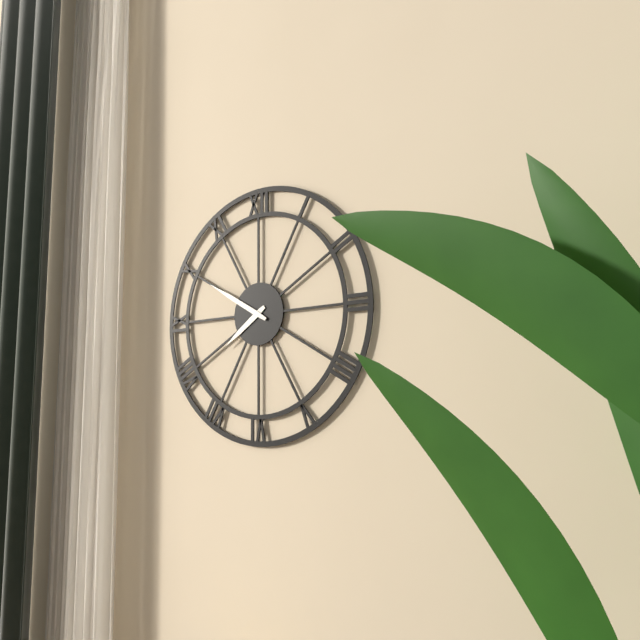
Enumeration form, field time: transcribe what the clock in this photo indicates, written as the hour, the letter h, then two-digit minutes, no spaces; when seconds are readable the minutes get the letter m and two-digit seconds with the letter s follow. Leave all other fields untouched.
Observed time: 7h50
